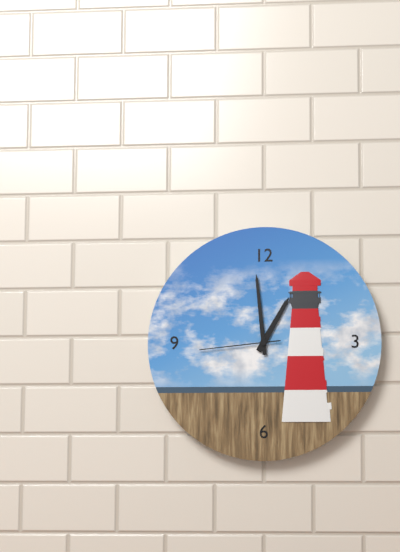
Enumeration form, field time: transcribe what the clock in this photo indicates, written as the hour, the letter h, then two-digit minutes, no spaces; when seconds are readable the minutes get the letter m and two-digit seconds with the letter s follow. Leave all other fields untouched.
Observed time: 12h59m44s
